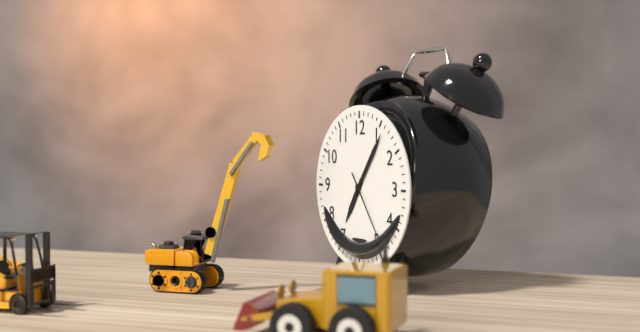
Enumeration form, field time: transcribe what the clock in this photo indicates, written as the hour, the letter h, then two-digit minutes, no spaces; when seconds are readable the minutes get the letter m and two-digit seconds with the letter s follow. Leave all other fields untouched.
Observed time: 7h06m24s
